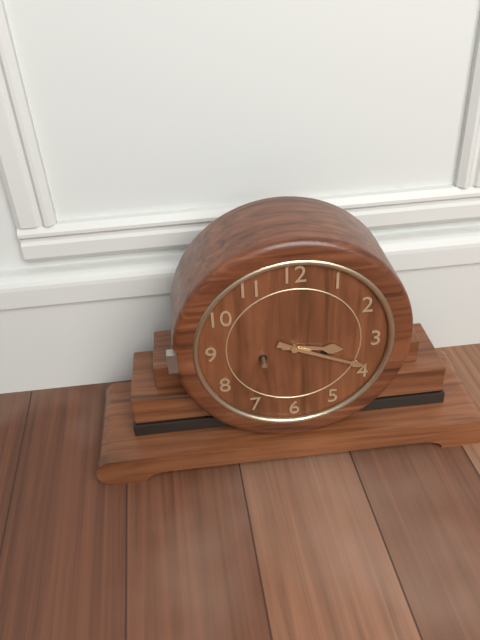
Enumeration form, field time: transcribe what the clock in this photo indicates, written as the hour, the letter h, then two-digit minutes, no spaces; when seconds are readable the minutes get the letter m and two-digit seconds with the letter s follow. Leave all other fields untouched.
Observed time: 3h19
